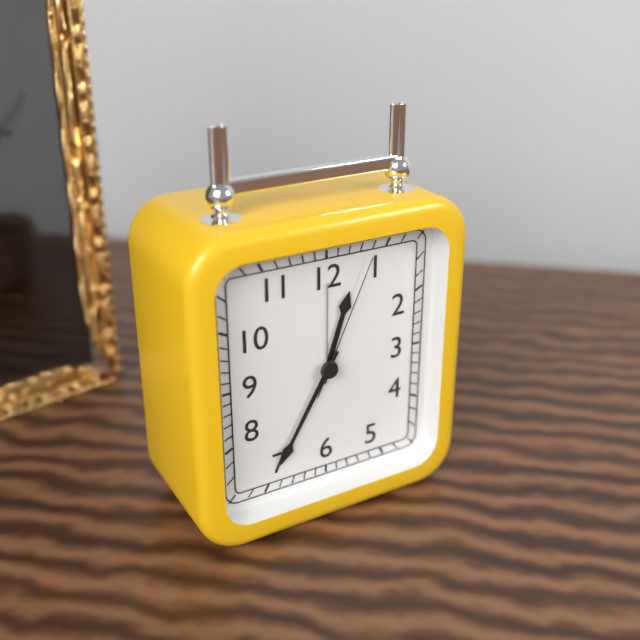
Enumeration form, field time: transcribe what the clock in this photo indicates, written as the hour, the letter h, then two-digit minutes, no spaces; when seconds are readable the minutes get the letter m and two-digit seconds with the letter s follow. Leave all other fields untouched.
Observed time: 12h35m04s
